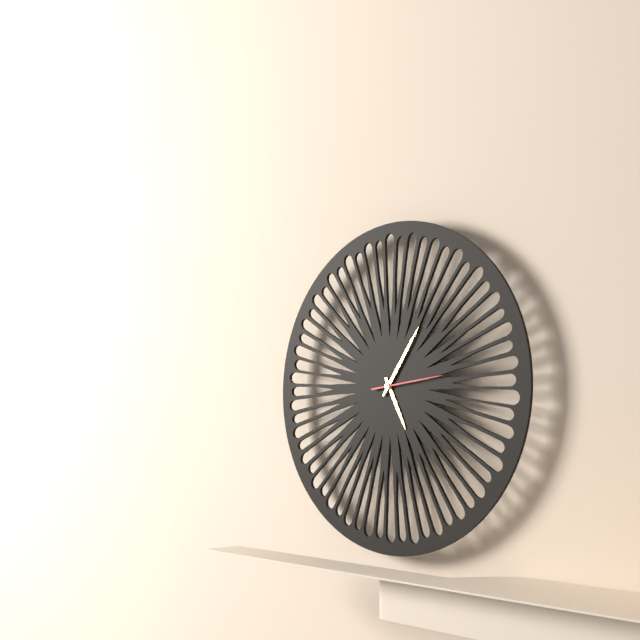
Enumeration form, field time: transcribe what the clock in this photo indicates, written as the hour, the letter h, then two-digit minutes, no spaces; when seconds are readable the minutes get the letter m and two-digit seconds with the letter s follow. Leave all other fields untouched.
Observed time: 5h06m14s
